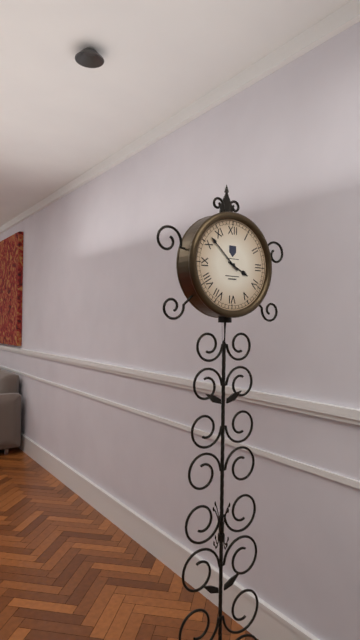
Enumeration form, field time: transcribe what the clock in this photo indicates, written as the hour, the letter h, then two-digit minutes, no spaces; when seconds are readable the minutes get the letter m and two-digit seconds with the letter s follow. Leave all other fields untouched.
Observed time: 3h52
